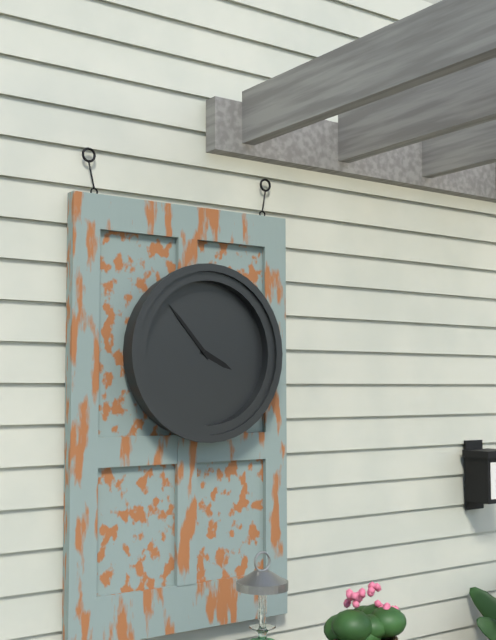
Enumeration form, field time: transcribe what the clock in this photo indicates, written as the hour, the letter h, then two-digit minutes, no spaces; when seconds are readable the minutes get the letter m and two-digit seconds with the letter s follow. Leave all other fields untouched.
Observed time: 3h53
